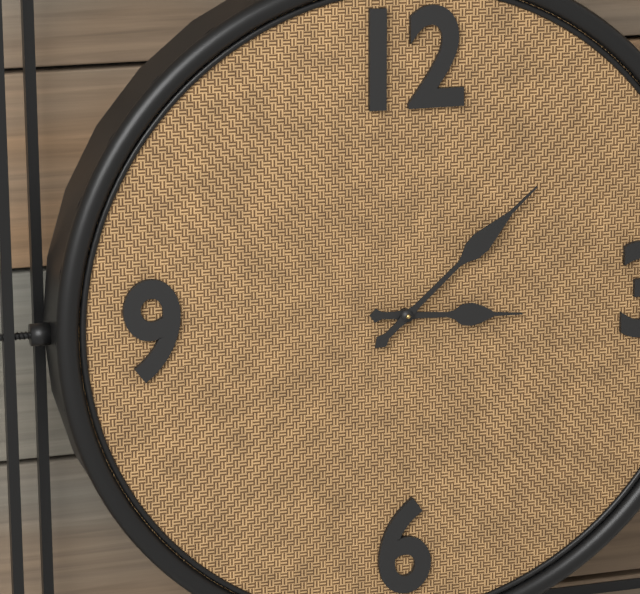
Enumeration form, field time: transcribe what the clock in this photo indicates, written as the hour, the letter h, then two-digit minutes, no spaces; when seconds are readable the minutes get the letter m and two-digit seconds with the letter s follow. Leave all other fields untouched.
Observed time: 3h08
